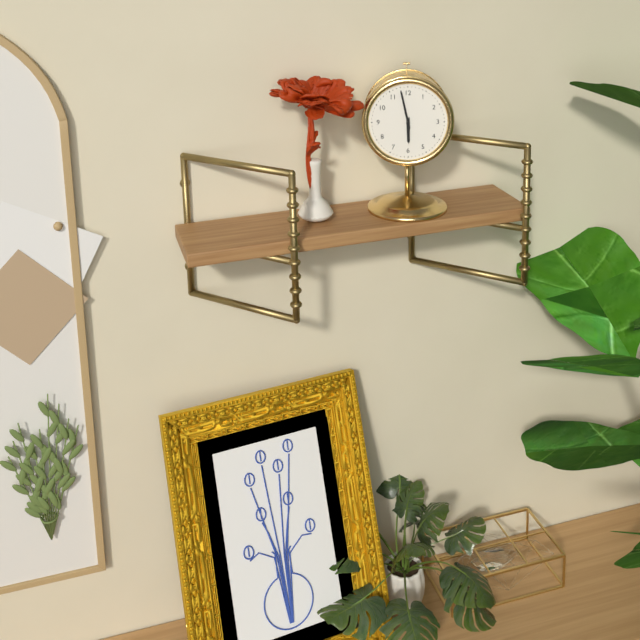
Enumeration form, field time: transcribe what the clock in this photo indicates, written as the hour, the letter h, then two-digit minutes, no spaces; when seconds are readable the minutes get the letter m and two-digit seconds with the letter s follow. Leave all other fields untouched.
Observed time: 5h58
